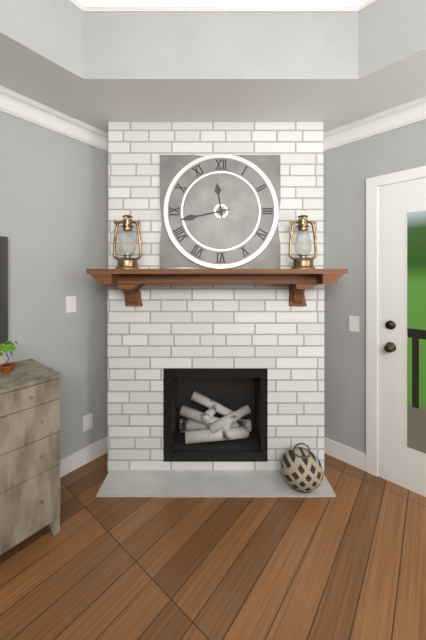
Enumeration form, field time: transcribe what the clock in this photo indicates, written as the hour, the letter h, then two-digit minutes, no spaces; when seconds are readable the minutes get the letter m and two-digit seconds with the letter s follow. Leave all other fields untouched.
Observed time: 11h43
